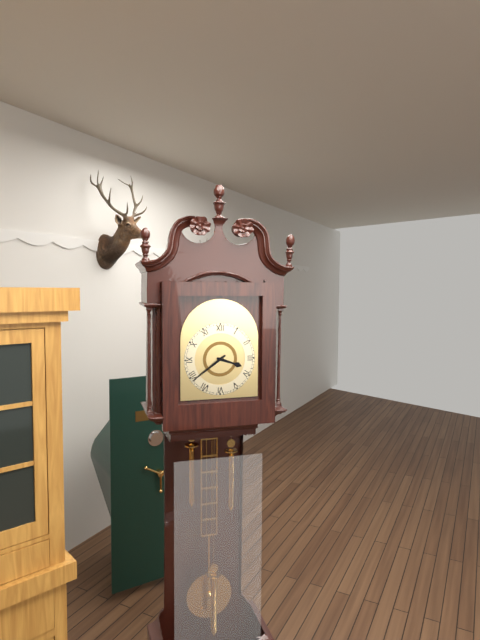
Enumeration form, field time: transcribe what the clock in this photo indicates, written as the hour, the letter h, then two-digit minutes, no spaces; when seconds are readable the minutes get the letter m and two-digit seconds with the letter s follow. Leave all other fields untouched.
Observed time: 3h39
